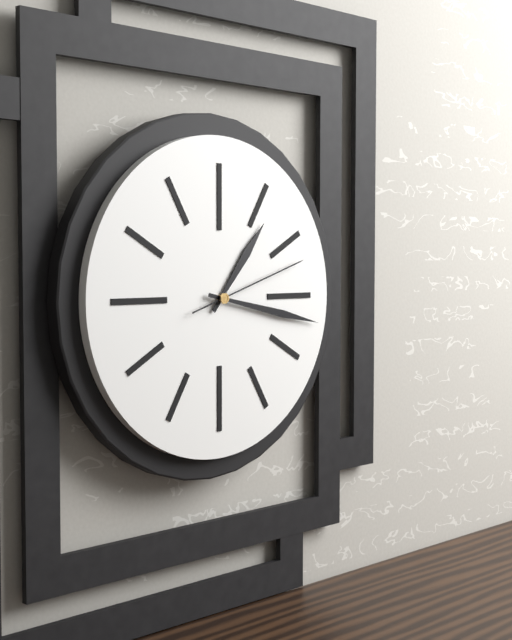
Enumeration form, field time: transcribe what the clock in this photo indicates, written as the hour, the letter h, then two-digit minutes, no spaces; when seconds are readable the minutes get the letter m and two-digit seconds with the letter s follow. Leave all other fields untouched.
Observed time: 1h17m12s
